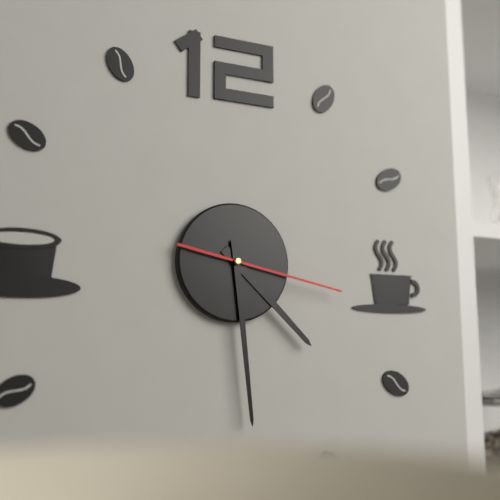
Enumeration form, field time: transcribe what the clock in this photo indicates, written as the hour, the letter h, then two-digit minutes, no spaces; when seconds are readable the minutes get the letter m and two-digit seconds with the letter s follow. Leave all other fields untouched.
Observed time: 4h29m17s
